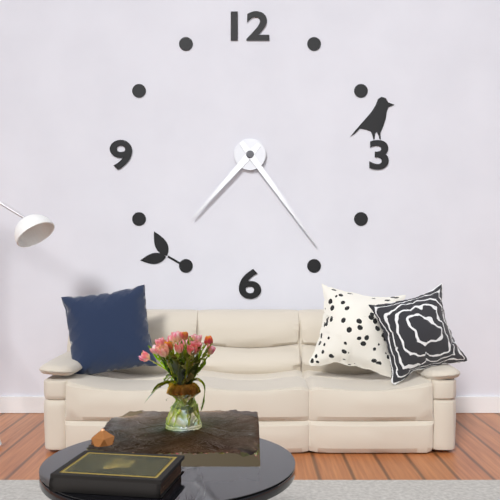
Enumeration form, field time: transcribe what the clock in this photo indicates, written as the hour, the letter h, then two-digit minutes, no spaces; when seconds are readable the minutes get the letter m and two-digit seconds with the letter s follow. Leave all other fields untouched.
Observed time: 7h24
